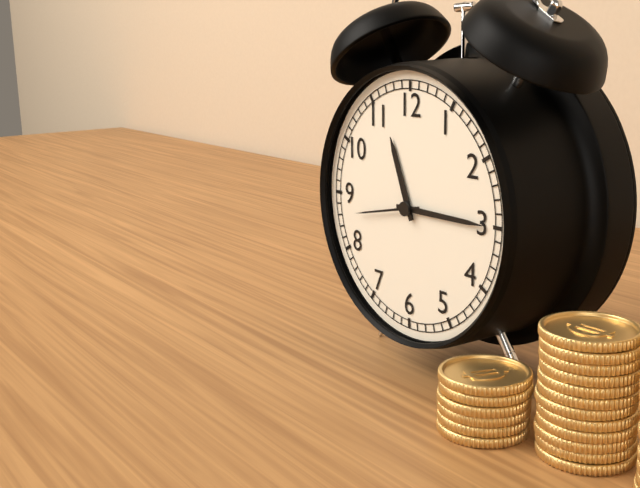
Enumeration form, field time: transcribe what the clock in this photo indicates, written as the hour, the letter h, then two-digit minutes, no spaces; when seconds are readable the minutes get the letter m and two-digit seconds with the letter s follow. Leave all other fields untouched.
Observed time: 11h15m43s
